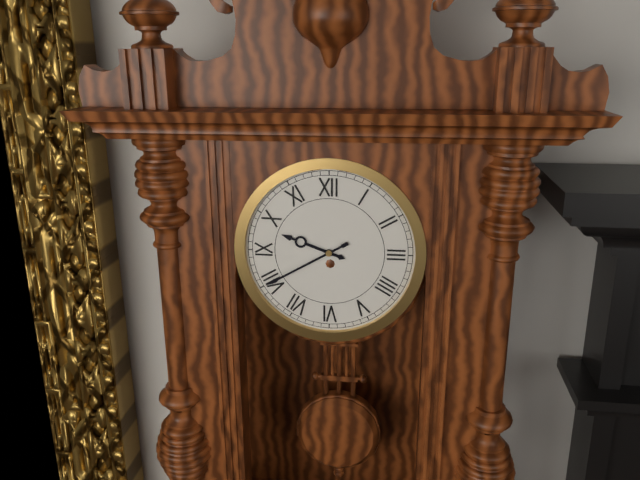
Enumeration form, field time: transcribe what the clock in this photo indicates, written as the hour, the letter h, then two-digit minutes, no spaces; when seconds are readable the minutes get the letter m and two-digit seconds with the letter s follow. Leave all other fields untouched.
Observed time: 9h40
